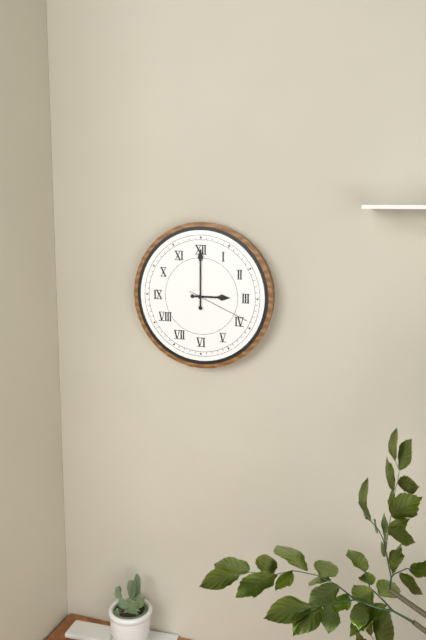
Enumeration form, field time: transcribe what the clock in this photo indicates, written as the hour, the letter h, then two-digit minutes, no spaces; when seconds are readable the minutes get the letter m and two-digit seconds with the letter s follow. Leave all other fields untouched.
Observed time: 3h00m19s
